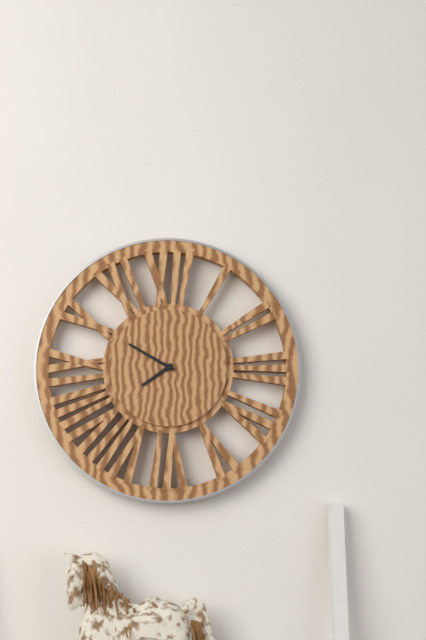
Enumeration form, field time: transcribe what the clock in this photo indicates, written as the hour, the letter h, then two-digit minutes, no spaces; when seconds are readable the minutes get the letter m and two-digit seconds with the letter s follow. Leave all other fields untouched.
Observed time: 7h50
